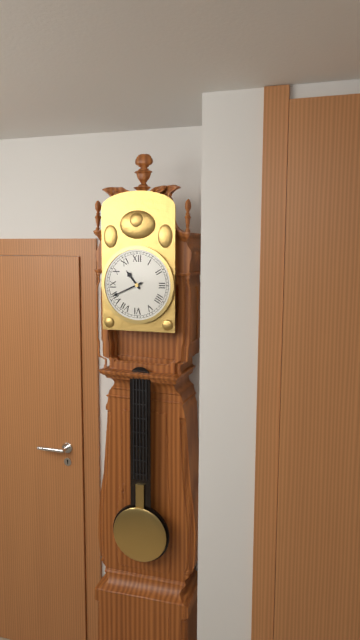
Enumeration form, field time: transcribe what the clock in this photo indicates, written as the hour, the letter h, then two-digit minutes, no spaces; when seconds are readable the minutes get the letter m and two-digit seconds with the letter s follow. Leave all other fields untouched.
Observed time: 10h41
